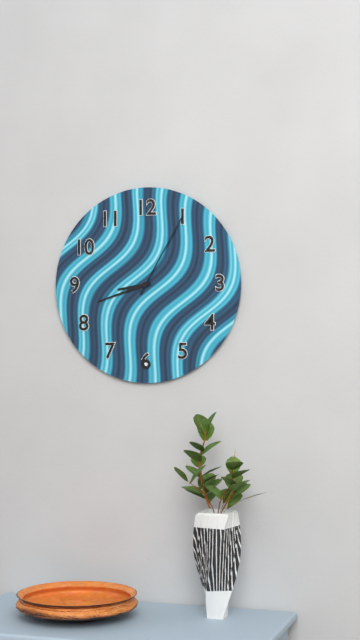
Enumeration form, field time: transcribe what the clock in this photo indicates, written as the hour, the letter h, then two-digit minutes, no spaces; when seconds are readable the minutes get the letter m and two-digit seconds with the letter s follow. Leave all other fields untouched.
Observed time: 8h42m05s
